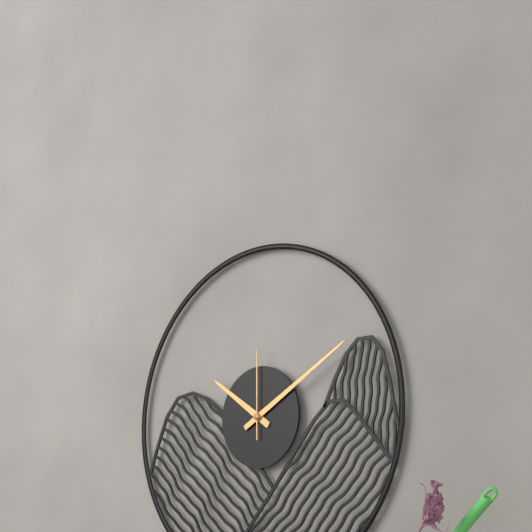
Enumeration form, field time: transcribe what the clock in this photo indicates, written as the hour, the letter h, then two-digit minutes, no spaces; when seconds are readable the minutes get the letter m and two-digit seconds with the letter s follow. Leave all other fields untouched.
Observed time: 10h10m00s
